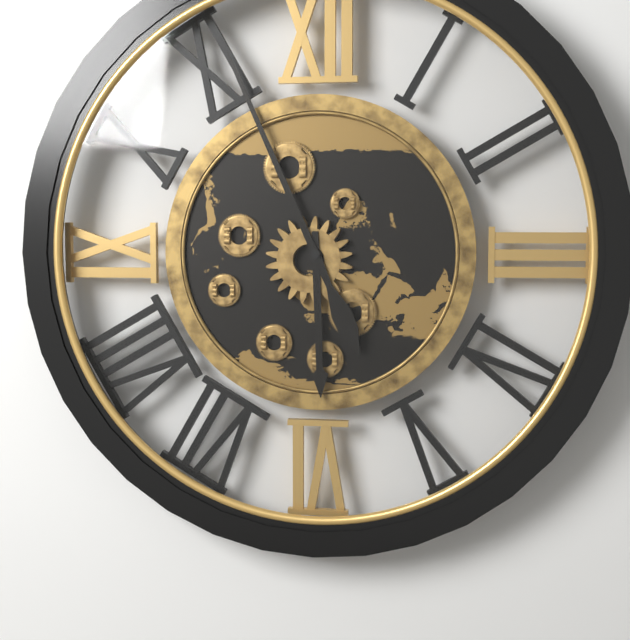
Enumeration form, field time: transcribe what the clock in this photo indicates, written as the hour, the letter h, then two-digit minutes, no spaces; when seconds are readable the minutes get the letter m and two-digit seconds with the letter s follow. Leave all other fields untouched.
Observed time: 5h56
